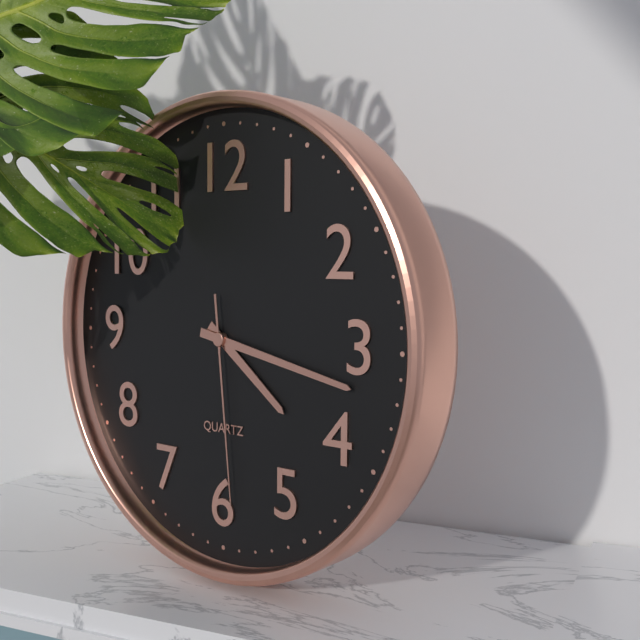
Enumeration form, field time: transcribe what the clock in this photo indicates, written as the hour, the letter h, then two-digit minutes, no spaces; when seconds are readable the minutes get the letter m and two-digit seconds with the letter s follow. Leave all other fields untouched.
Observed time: 4h17m29s
